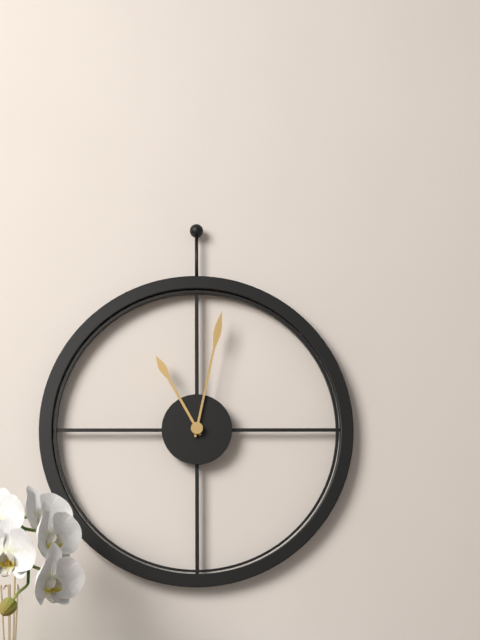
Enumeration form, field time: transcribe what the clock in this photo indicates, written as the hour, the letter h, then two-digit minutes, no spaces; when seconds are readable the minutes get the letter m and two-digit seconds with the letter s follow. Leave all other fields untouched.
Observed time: 11h02
